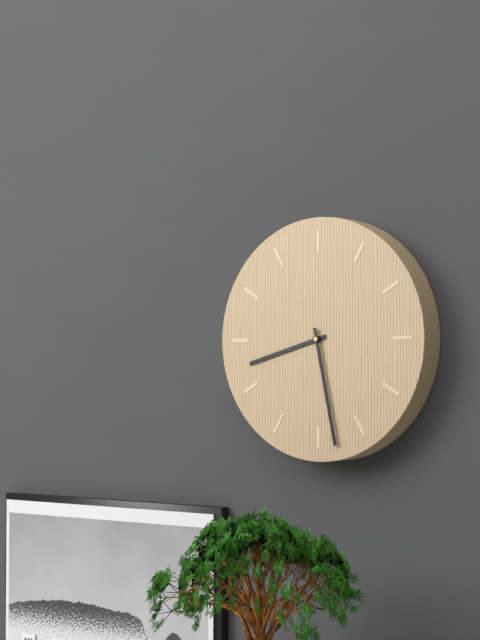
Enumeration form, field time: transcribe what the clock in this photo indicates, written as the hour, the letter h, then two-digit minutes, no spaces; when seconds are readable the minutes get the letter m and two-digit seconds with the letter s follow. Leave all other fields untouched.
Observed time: 8h28
